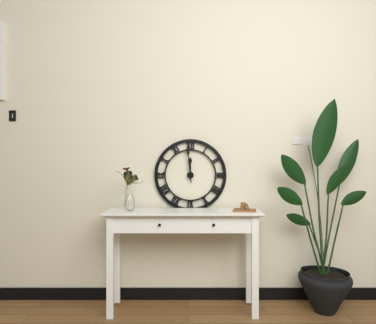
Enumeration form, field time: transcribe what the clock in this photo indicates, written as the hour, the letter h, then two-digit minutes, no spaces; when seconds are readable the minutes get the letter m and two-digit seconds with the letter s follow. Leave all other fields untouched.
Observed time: 11h59
